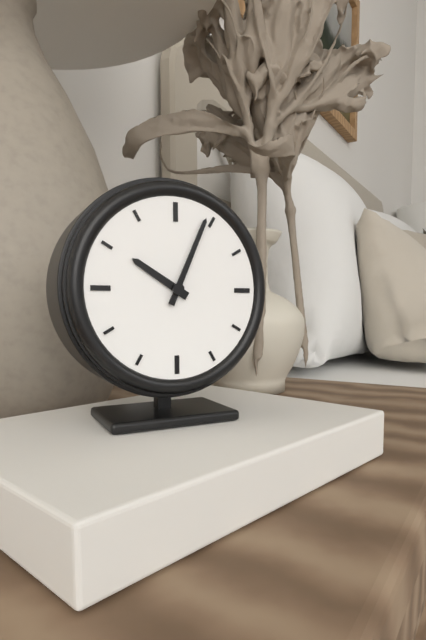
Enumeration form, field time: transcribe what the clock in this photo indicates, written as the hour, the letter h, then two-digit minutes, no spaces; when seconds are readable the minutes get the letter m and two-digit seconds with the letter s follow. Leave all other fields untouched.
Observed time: 10h04
